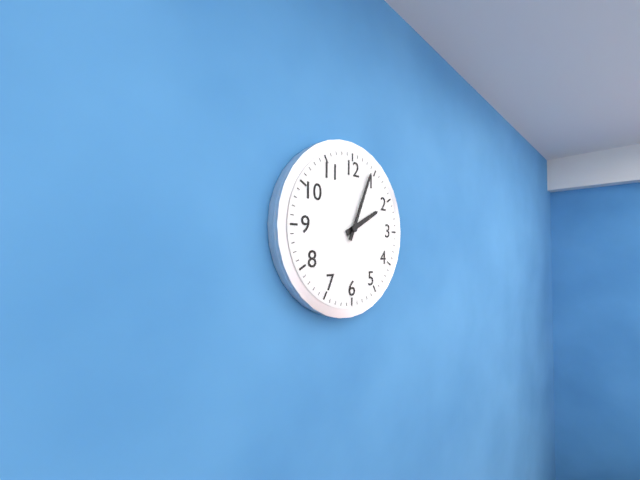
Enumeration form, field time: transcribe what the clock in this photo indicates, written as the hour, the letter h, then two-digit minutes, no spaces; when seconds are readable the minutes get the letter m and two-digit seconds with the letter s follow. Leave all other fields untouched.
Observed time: 2h04
